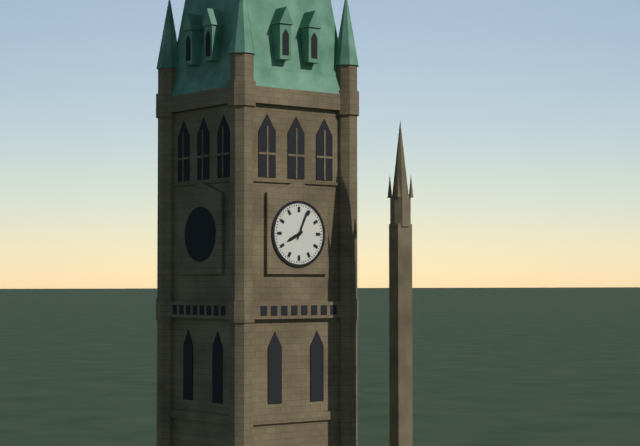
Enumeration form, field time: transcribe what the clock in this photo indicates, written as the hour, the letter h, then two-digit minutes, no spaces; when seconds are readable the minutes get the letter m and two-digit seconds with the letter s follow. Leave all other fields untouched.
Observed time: 8h04
